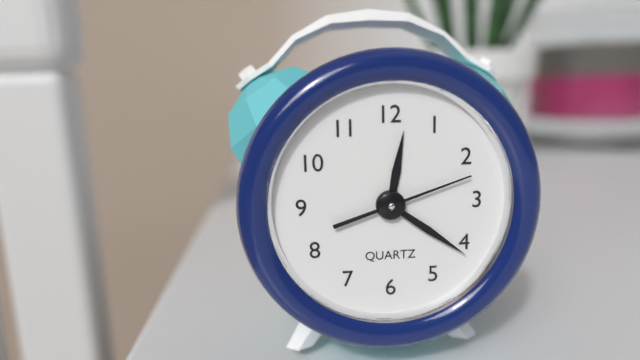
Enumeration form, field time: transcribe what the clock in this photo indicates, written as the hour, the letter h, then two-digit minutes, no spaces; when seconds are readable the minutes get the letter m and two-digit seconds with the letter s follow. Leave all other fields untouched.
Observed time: 12h21m12s
